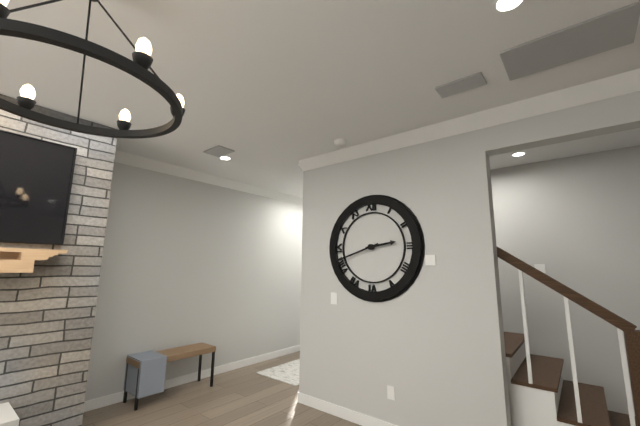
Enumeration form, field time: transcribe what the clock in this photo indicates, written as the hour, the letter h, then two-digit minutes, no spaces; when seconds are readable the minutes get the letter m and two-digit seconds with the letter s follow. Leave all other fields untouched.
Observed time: 2h42
